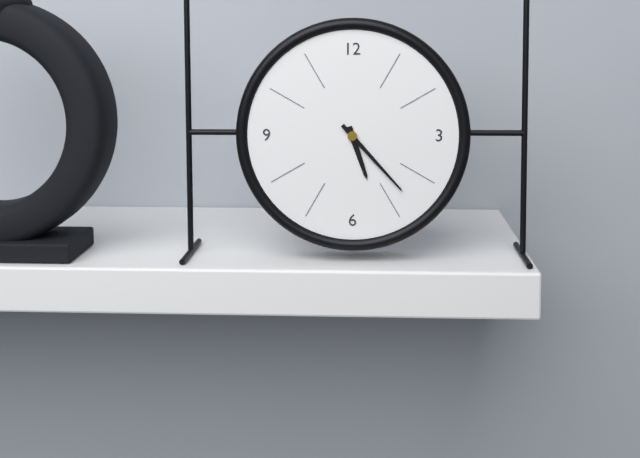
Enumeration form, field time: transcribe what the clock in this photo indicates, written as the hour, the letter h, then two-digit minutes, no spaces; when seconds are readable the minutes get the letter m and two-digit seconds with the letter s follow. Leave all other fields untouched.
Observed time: 5h23
